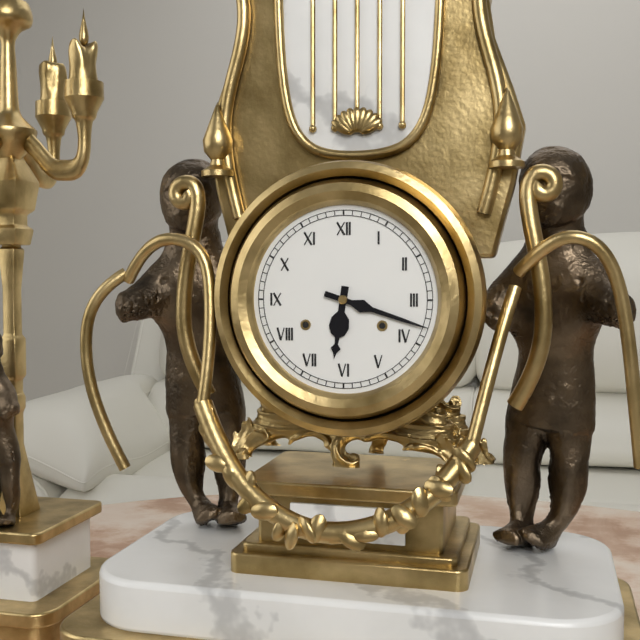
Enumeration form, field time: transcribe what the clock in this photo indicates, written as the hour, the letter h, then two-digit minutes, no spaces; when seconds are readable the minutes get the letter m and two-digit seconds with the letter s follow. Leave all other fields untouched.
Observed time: 6h18
